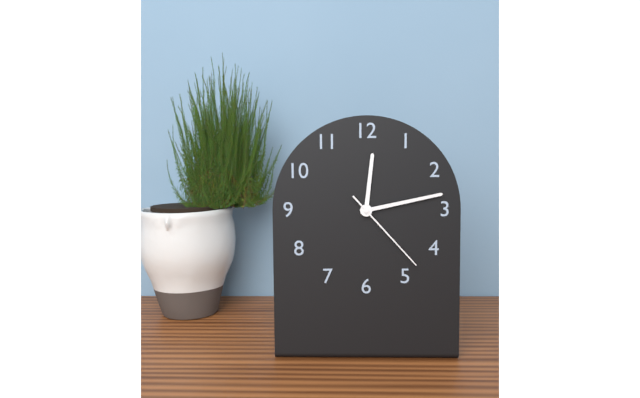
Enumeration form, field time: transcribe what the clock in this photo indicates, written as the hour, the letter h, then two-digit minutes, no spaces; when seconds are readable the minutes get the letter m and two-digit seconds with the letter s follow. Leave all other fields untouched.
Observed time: 12h13m23s
